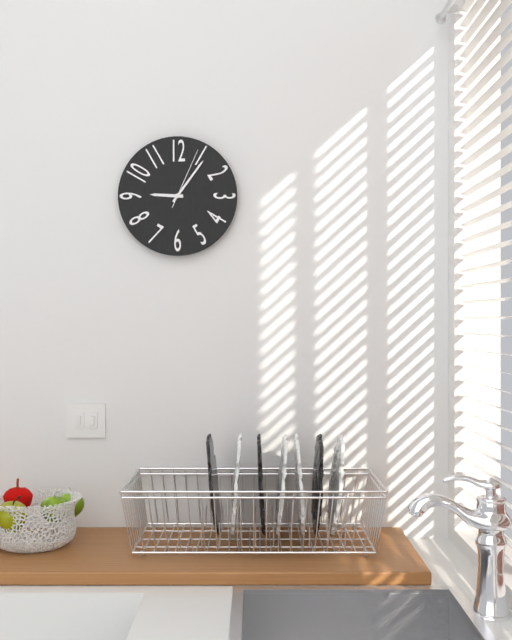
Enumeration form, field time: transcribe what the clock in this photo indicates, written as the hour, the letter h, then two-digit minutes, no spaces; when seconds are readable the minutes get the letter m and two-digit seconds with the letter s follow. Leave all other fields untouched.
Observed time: 9h06m04s
